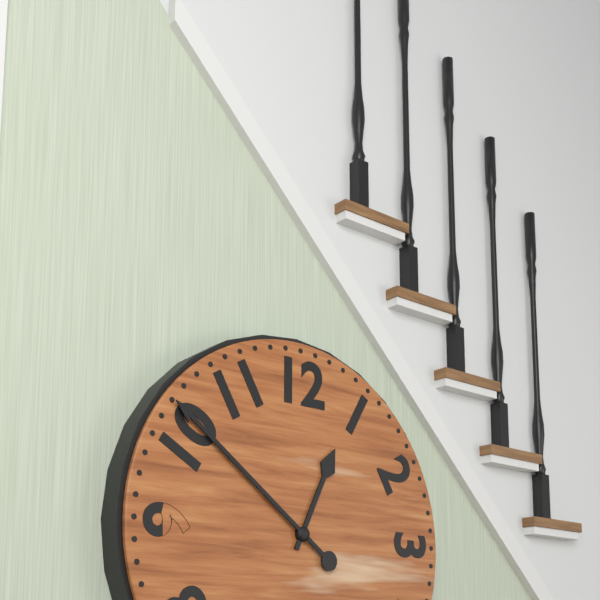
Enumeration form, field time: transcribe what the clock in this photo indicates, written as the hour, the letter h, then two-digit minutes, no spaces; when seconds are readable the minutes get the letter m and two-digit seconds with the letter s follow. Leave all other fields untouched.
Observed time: 12h51
